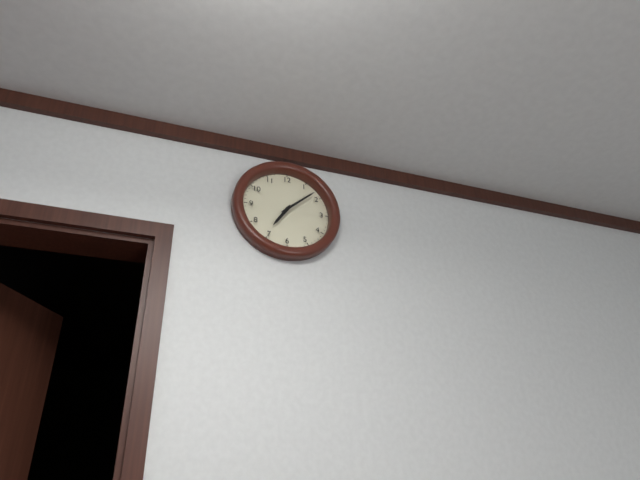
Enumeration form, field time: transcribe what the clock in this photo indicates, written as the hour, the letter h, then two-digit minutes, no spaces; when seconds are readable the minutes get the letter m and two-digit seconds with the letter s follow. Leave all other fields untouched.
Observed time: 7h08
